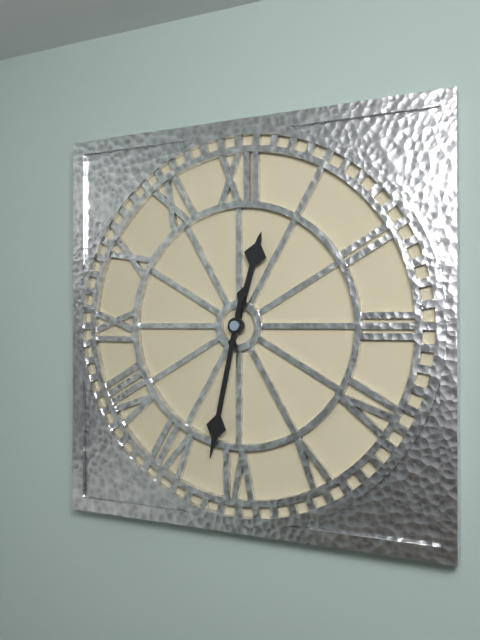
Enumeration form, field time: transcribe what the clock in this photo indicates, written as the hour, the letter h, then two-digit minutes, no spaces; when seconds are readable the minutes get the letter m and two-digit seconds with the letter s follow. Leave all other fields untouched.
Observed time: 12h32
